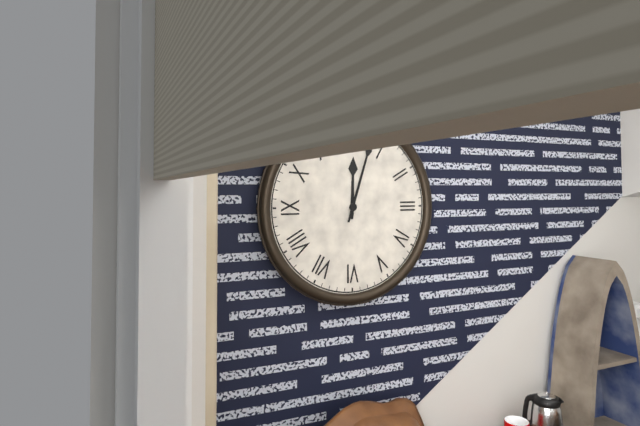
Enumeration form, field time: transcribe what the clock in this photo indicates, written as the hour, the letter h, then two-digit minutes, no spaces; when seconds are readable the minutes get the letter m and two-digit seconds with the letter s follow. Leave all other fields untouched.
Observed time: 12h03
